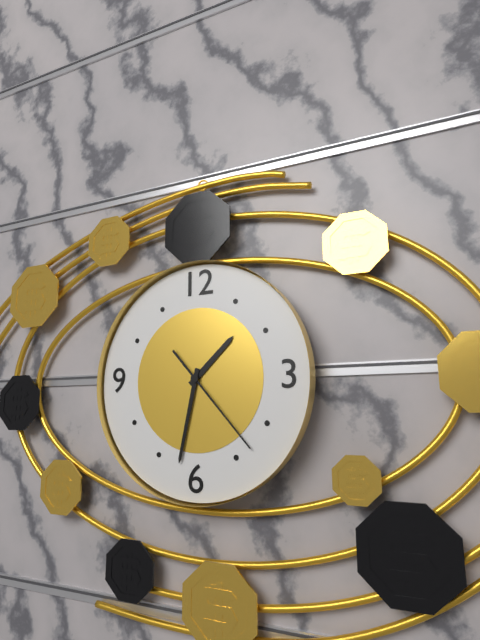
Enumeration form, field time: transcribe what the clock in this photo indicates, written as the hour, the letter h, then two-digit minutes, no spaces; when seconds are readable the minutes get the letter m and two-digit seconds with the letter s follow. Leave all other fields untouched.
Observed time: 1h32m23s
